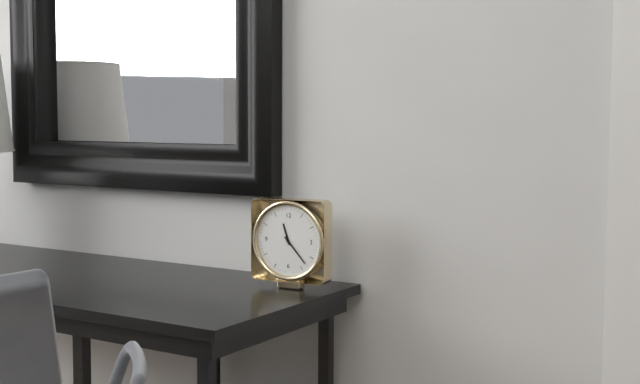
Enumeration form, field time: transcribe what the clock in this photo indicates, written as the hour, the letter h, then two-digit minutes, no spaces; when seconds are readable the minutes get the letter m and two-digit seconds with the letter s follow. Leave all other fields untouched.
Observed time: 11h23
